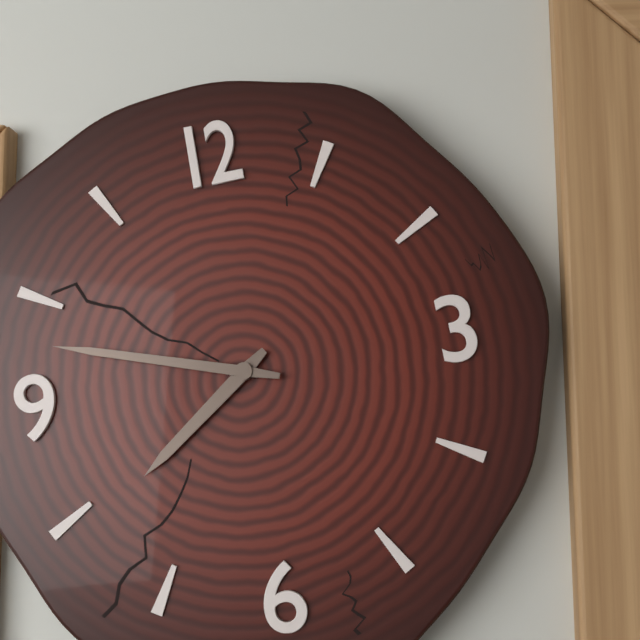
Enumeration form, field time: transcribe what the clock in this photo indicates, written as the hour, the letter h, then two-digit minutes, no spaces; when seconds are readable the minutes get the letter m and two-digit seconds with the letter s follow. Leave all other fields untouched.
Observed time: 7h48
